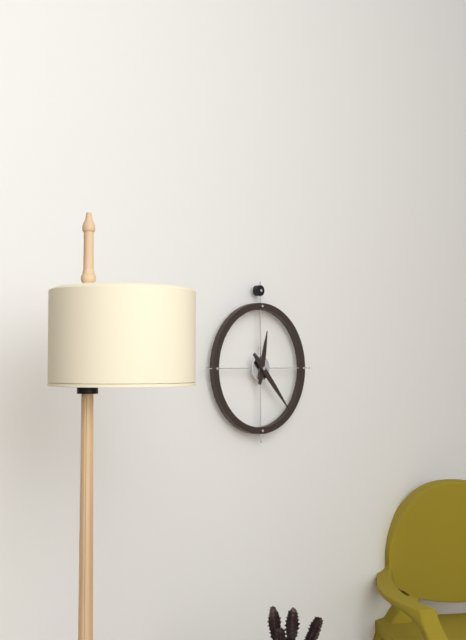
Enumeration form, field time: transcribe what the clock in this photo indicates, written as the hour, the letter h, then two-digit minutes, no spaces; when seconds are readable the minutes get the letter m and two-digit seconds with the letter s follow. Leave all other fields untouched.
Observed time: 12h23
